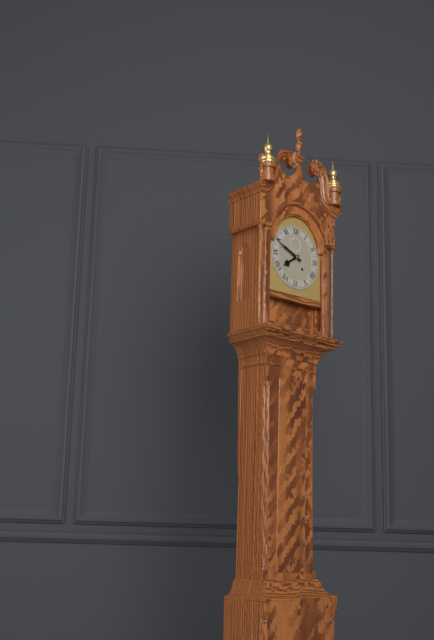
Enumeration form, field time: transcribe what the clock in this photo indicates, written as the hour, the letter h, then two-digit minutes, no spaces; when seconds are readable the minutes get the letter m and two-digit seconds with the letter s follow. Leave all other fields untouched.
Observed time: 7h49
